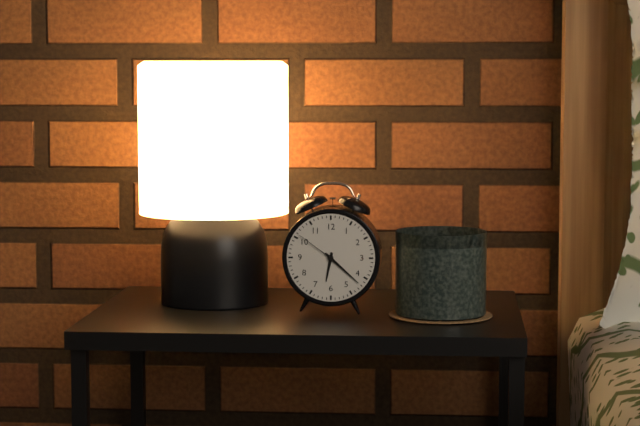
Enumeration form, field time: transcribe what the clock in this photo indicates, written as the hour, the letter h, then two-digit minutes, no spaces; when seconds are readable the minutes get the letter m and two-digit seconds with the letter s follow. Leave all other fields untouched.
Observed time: 6h22
